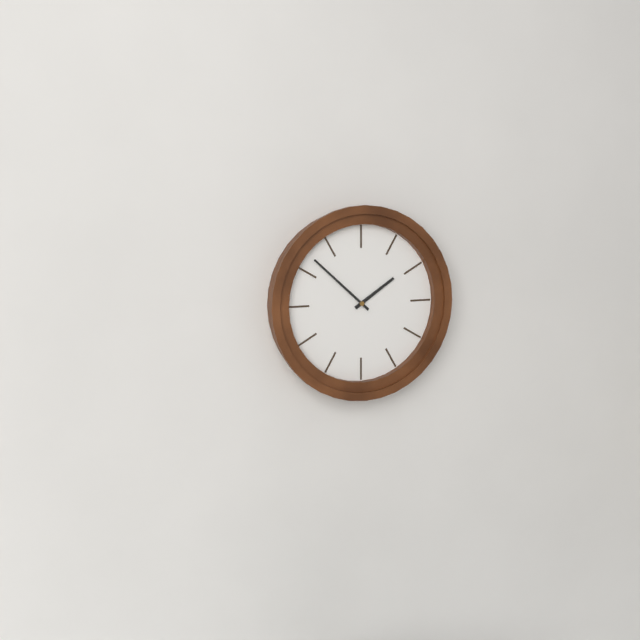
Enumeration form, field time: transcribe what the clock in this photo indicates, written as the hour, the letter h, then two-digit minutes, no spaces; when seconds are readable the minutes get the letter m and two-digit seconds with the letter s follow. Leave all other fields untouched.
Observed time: 1h52
